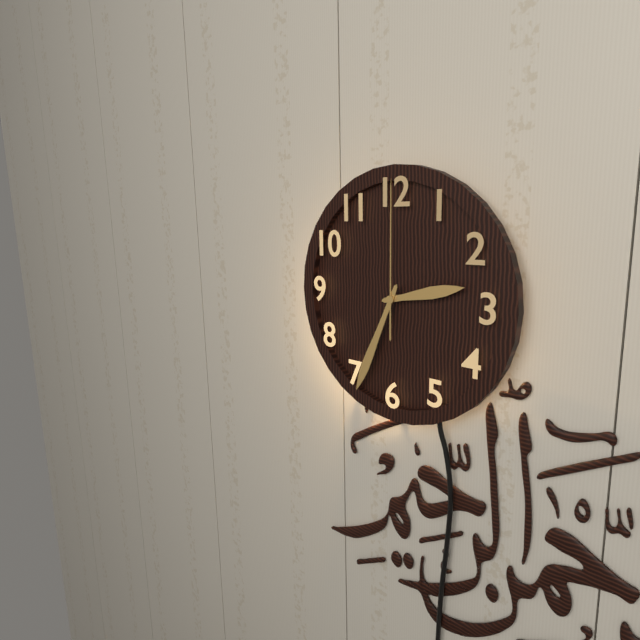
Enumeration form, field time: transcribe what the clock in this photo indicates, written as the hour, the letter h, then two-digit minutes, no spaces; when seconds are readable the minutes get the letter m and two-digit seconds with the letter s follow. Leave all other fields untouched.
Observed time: 2h34m00s
